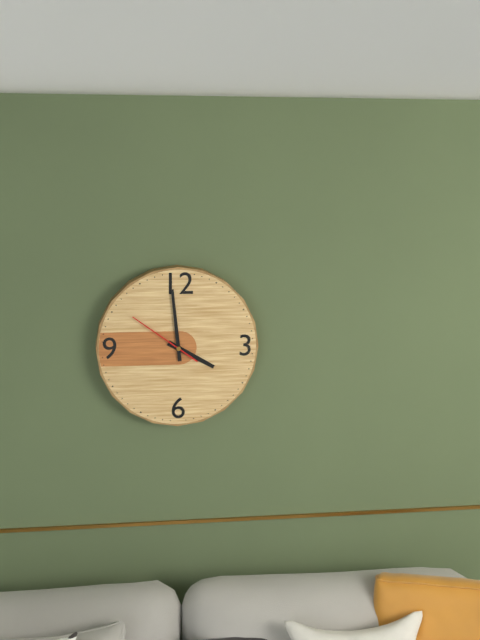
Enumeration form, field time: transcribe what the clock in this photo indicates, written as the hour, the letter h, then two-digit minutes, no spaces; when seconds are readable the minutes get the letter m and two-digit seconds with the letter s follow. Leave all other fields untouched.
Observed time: 3h59m51s
